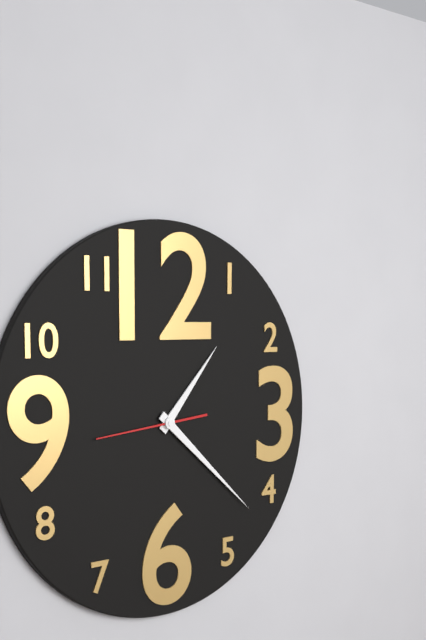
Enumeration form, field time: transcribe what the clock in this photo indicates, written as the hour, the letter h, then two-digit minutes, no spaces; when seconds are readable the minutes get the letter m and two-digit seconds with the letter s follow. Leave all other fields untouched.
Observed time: 1h22m44s
